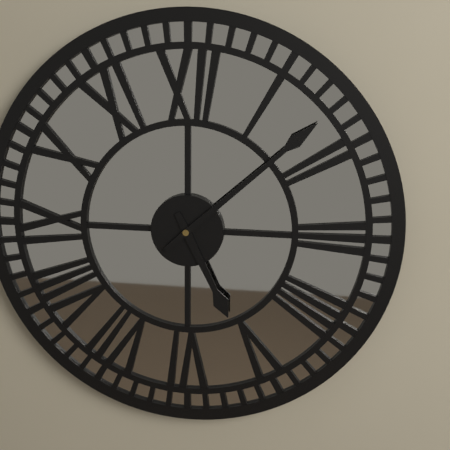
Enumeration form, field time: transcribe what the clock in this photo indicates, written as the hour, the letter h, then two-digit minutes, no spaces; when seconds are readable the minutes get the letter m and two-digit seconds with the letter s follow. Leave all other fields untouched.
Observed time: 5h08
